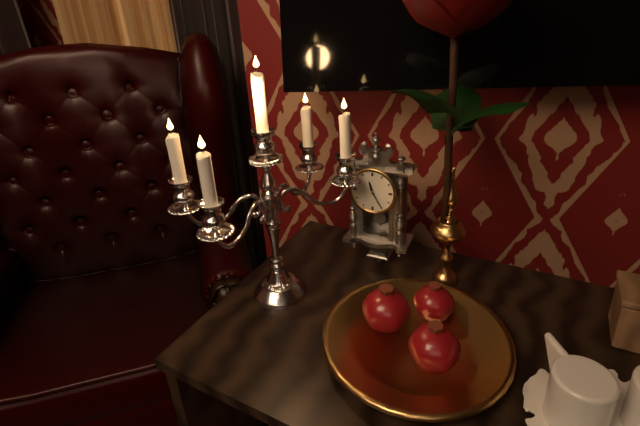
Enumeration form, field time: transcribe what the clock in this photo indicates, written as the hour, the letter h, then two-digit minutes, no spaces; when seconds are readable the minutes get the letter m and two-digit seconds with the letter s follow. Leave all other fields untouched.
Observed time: 11h25
